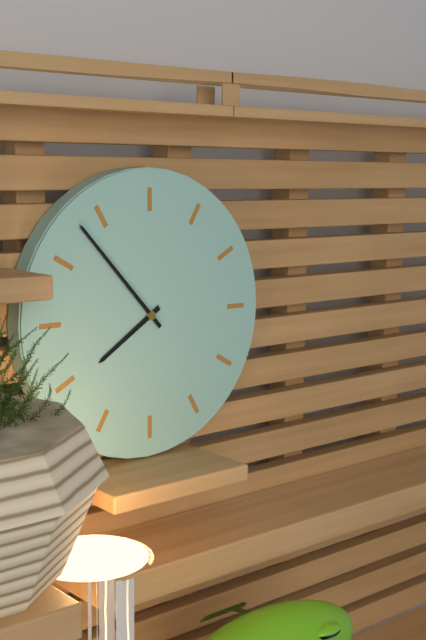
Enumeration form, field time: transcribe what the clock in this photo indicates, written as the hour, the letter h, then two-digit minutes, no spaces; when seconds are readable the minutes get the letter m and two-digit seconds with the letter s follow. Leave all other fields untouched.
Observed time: 7h53
